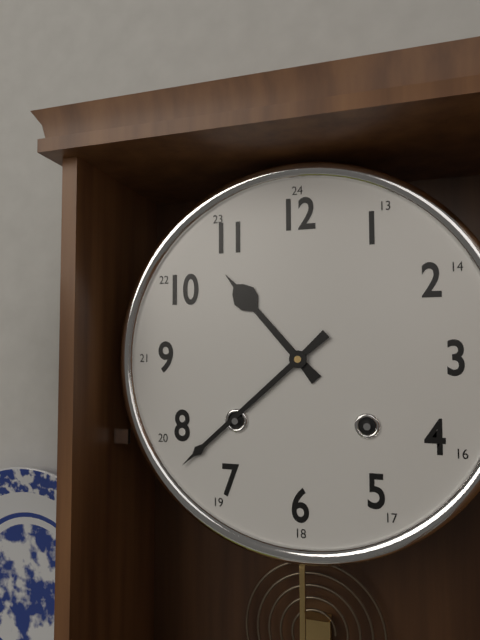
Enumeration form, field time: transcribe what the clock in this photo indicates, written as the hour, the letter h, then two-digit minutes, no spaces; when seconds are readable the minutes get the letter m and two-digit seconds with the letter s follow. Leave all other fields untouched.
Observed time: 10h38
